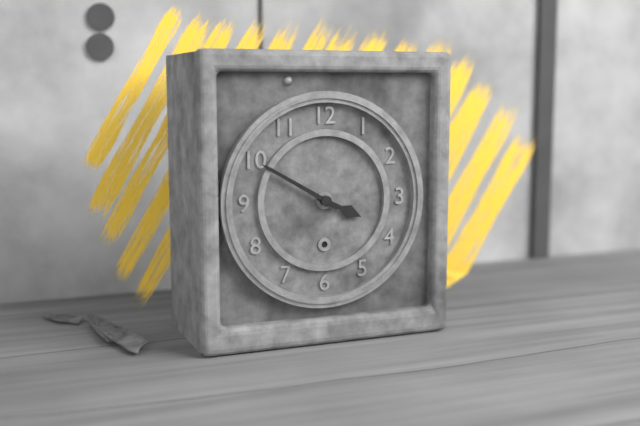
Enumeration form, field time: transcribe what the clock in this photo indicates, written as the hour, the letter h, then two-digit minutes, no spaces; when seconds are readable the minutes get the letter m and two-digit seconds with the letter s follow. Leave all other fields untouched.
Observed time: 3h50
